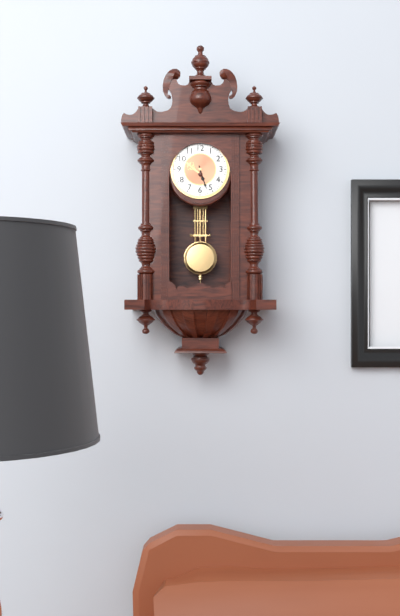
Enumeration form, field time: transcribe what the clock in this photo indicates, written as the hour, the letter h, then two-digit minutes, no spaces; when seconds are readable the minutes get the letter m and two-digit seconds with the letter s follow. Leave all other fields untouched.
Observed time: 5h27
